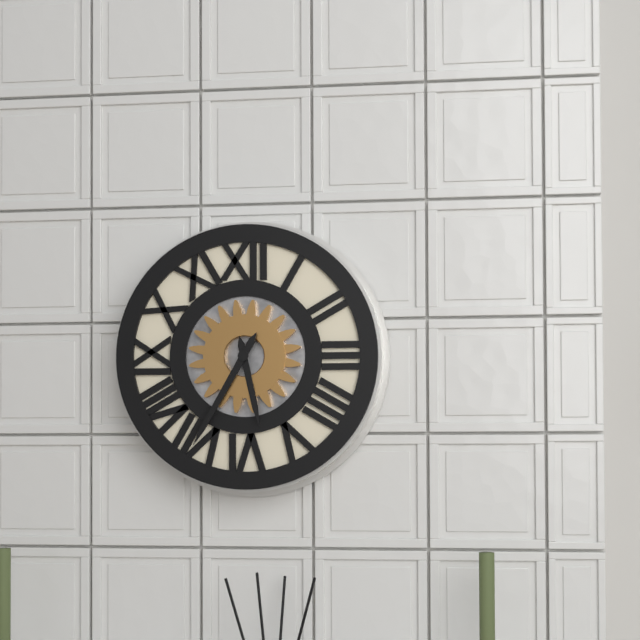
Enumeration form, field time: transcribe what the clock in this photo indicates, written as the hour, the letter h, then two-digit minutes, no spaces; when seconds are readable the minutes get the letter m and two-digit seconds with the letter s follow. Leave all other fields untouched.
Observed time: 5h35
